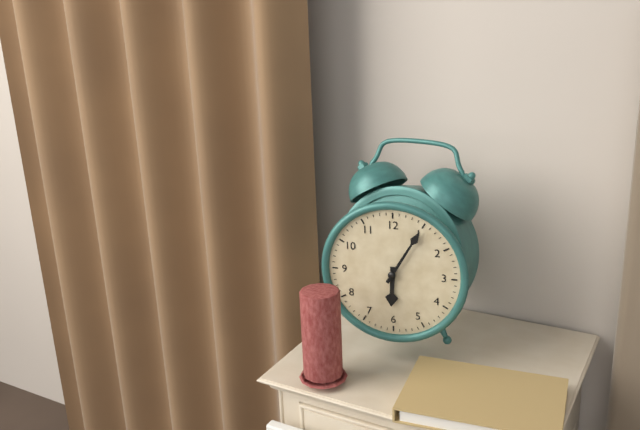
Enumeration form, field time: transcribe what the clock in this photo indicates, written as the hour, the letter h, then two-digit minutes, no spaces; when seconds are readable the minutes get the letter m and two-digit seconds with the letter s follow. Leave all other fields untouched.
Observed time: 6h05
